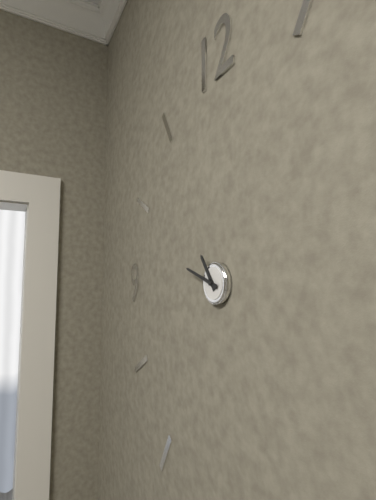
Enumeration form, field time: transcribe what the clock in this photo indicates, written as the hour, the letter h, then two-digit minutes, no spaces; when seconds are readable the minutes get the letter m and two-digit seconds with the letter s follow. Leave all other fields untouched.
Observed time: 10h48
